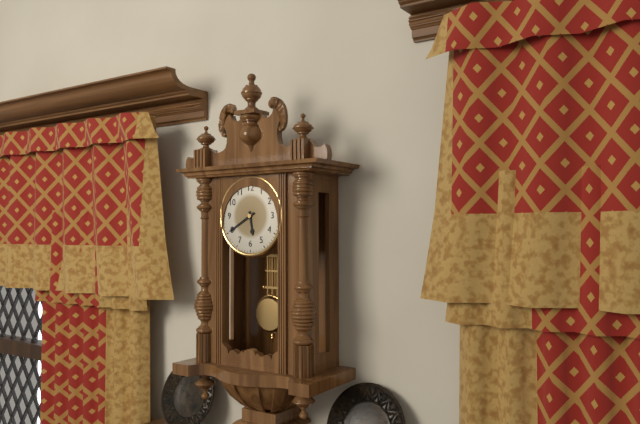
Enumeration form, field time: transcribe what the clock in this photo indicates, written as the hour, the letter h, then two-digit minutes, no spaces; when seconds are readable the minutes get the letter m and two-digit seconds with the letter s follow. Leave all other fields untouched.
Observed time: 5h40
